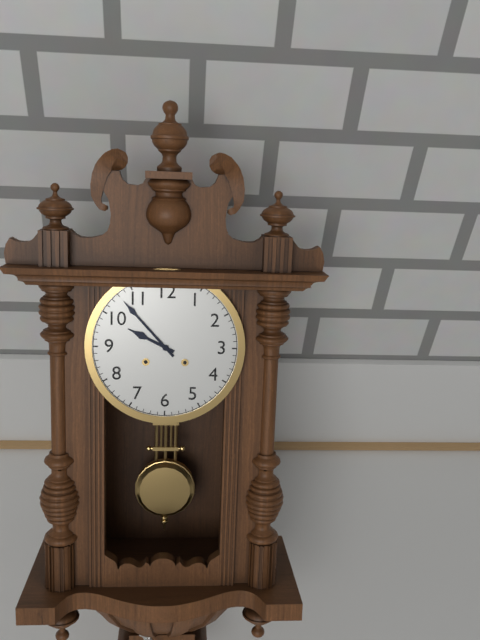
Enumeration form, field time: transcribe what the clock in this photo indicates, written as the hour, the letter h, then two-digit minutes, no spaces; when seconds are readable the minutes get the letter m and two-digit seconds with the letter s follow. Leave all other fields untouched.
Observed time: 9h53
